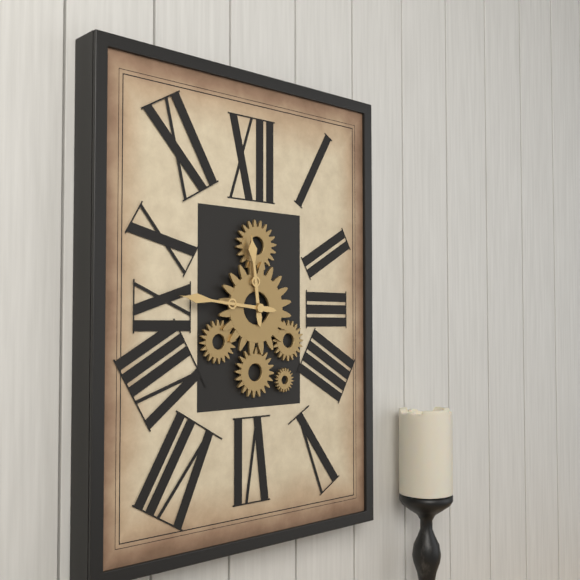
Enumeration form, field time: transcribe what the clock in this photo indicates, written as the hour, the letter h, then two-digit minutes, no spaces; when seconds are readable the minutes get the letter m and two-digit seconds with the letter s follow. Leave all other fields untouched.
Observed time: 11h46
